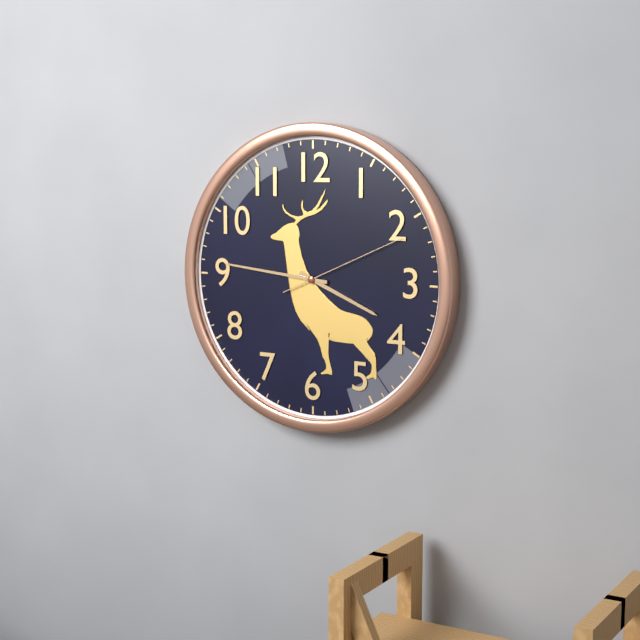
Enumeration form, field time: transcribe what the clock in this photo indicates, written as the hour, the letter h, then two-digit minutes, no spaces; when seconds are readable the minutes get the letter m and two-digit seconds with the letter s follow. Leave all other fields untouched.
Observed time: 3h46m11s
